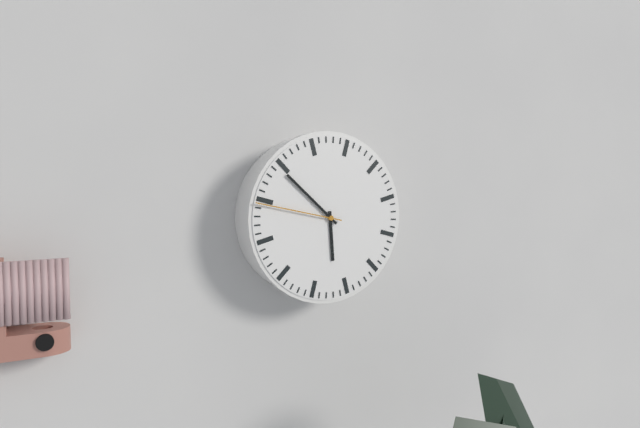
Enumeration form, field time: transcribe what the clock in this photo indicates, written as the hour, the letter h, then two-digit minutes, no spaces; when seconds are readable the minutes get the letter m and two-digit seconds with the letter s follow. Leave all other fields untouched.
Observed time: 5h52m47s
